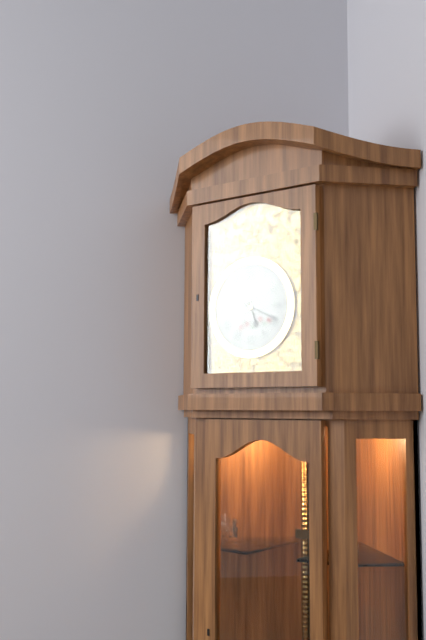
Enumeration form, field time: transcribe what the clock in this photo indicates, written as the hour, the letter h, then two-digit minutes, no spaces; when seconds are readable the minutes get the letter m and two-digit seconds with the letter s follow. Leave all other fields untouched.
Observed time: 5h19
